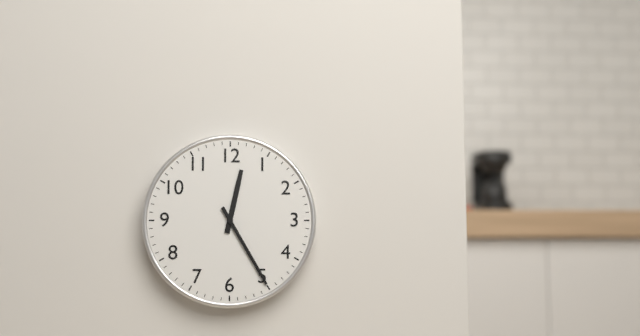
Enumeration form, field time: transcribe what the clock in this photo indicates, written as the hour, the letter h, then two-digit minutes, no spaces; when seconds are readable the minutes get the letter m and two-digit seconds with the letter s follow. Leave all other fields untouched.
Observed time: 12h25
